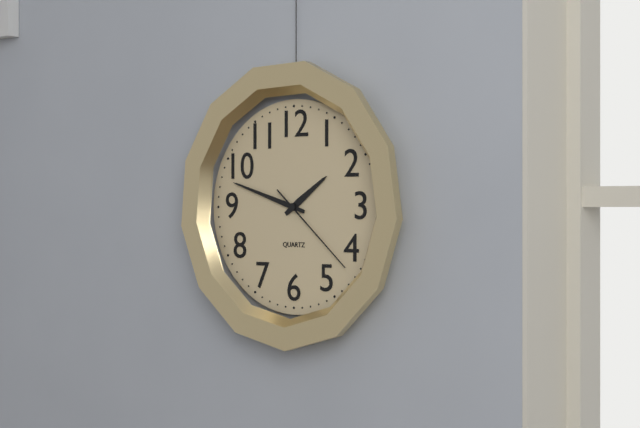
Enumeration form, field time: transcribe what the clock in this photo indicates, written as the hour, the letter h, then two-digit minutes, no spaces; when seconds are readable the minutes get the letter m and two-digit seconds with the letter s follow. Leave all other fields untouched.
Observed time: 1h48m22s
